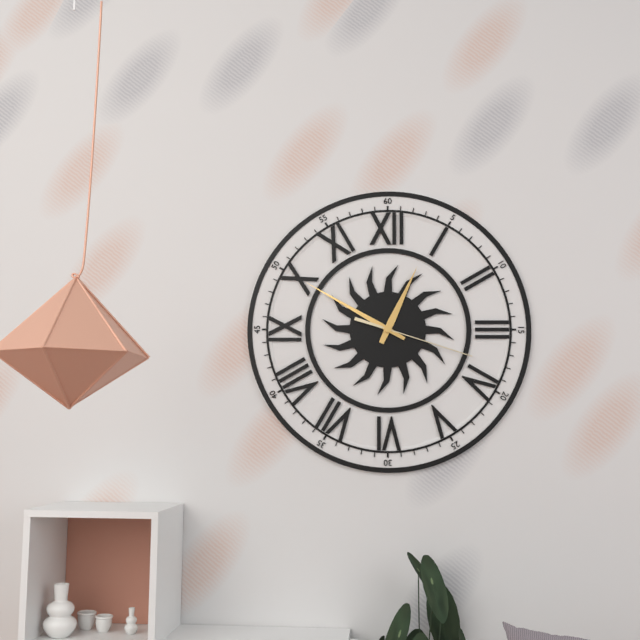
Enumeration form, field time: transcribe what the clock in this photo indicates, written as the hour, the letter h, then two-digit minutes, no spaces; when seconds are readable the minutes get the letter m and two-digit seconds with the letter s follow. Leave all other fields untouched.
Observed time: 12h50m18s
